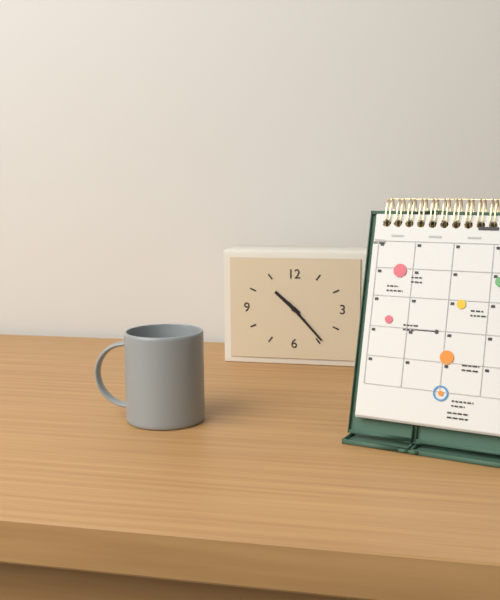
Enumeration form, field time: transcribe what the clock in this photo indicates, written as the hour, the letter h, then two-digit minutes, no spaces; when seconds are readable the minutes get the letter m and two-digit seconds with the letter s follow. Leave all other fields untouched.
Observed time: 10h23
